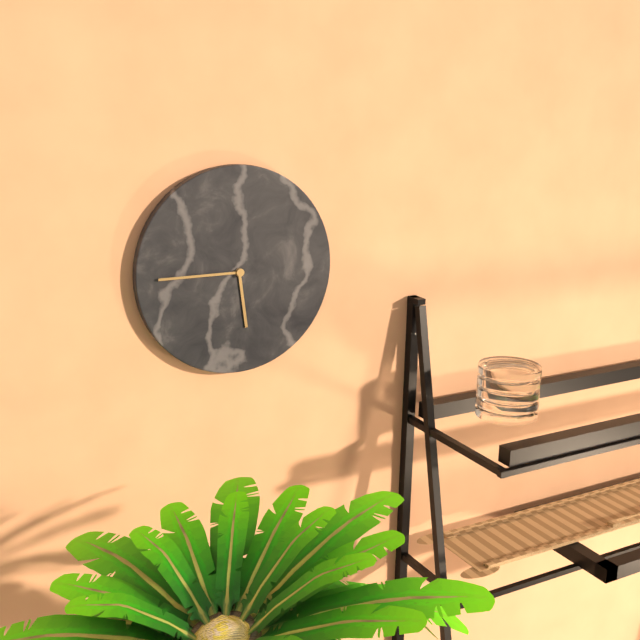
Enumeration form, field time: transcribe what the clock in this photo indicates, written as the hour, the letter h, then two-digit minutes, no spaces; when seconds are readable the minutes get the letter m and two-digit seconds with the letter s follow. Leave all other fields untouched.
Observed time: 5h45
